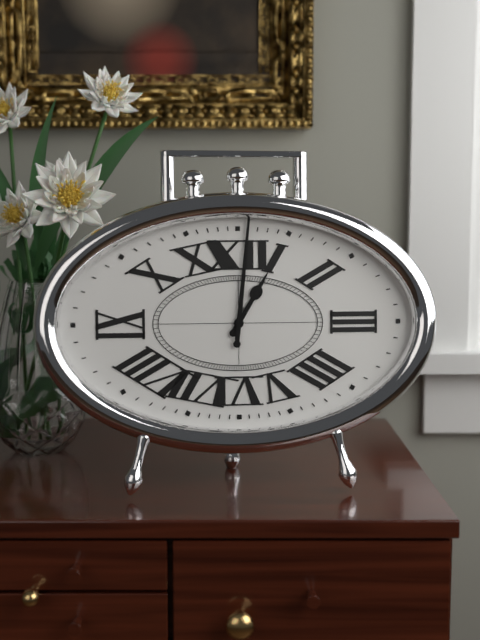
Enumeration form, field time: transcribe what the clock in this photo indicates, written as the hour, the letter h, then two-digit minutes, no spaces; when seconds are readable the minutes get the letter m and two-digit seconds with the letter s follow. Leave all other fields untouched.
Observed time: 1h01
